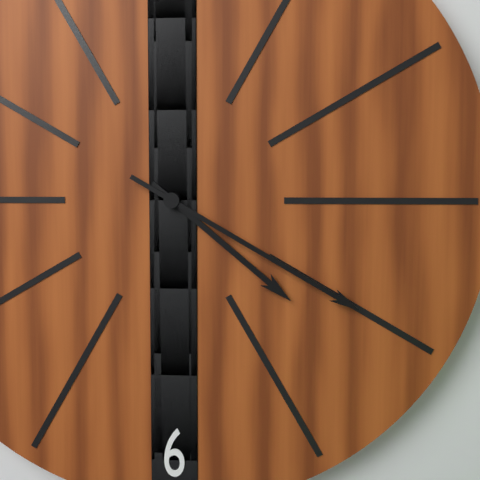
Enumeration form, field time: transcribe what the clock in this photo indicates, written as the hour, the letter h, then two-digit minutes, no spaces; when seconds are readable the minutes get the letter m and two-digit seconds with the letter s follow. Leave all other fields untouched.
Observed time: 4h20
